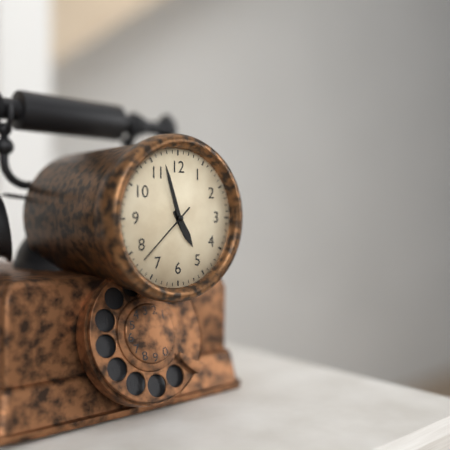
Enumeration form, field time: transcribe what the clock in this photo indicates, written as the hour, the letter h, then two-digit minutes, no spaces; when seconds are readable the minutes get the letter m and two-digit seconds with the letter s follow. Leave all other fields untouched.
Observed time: 4h57m38s
